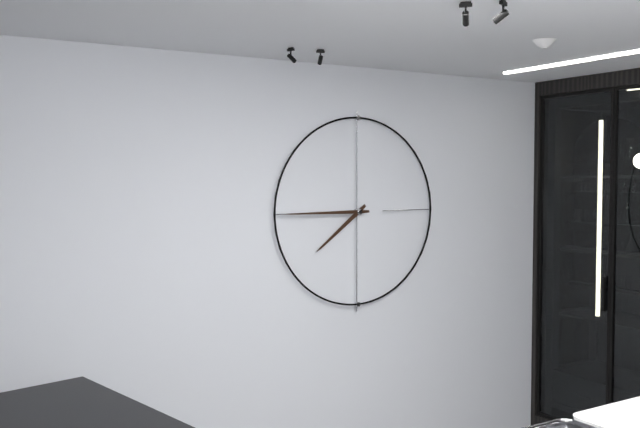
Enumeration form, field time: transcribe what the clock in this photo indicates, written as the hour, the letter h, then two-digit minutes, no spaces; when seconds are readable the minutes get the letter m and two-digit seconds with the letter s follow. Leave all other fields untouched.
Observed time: 7h45
